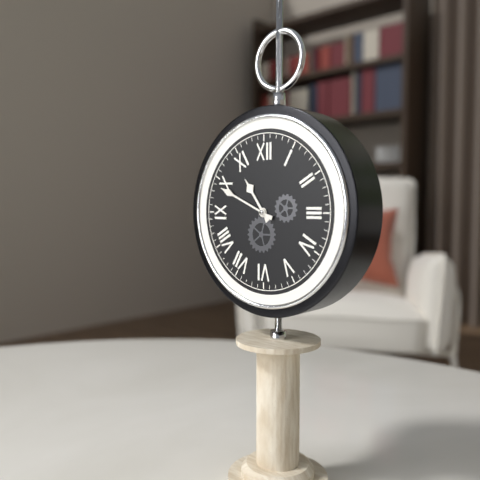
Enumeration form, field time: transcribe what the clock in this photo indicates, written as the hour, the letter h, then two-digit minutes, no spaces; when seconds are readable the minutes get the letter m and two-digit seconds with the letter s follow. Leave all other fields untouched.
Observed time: 10h49
